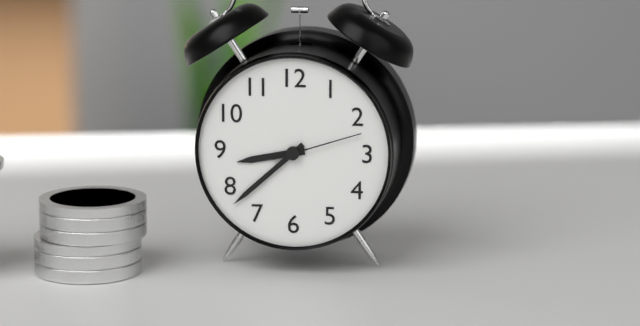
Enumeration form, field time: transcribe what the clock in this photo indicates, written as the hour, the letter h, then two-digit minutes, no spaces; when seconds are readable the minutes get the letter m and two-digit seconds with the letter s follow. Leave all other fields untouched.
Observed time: 8h38m12s
